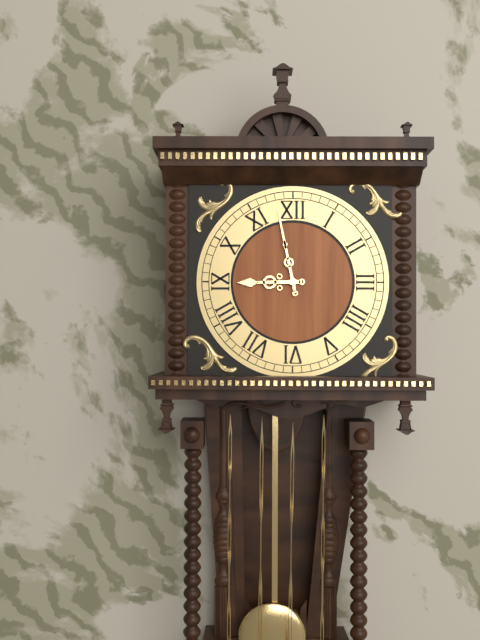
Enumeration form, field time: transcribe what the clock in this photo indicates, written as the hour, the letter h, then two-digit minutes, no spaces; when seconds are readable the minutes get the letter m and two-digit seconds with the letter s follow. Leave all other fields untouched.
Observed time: 8h58
